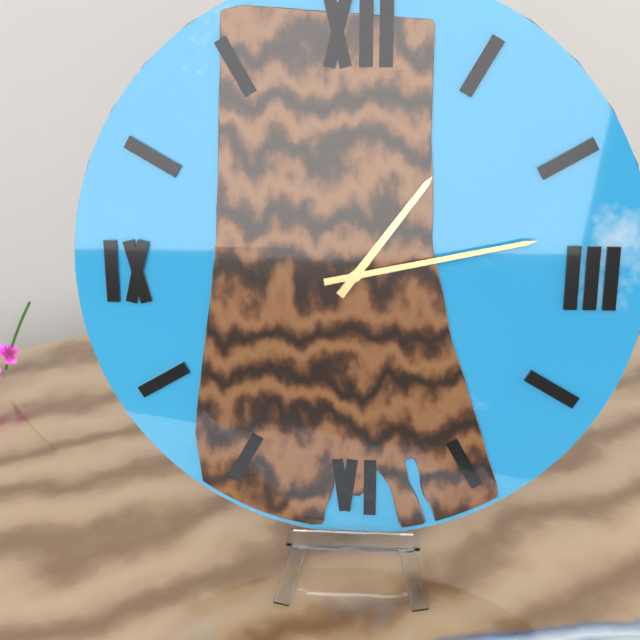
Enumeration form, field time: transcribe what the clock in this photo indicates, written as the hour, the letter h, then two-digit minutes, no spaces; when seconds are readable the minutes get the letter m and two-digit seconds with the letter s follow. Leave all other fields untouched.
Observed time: 1h13
